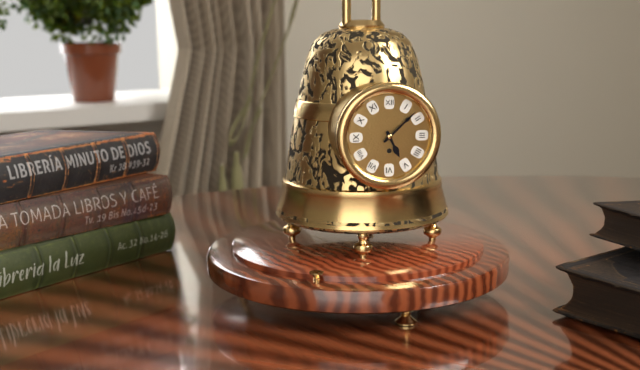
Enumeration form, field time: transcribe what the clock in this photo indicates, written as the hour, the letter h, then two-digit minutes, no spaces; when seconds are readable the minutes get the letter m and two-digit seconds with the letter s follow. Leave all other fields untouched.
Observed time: 5h08
